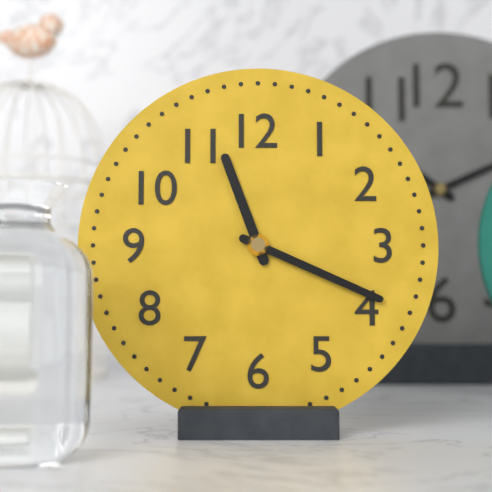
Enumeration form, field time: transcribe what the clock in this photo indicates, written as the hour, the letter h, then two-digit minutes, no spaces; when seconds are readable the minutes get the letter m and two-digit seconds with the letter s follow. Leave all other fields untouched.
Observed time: 11h19
